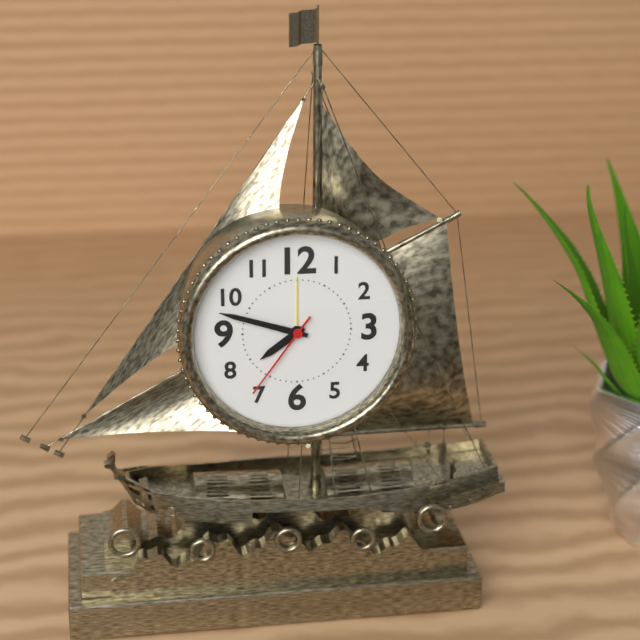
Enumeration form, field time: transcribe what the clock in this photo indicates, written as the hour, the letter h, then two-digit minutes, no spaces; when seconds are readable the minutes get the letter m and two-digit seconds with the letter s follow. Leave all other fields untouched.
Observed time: 7h48m36s
